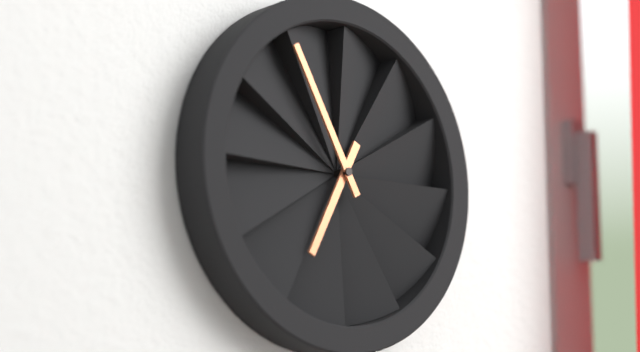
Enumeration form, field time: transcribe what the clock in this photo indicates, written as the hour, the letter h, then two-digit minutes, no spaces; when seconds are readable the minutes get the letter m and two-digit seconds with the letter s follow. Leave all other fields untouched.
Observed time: 6h55
